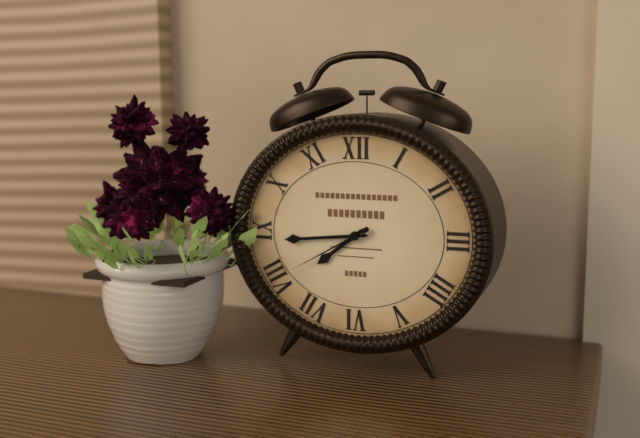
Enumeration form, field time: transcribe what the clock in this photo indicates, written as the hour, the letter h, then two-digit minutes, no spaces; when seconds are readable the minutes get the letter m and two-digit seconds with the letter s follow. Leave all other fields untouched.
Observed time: 7h44m40s
